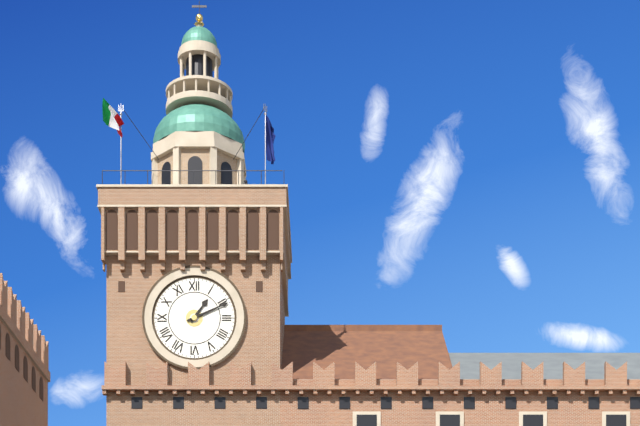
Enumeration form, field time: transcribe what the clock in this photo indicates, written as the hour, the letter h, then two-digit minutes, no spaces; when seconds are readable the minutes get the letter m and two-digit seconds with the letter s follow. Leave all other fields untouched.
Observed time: 1h11
